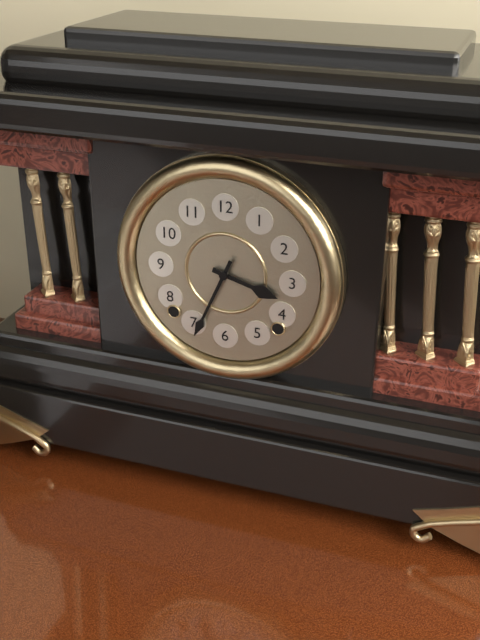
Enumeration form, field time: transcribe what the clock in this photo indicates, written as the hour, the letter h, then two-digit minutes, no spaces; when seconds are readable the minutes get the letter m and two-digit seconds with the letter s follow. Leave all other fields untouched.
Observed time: 3h34
